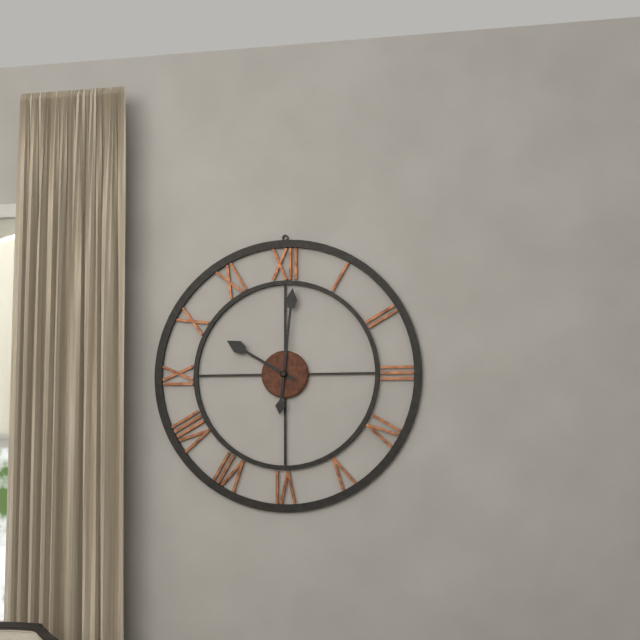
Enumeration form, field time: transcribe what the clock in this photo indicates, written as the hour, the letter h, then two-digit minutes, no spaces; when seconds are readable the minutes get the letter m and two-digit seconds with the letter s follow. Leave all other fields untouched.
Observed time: 10h01
